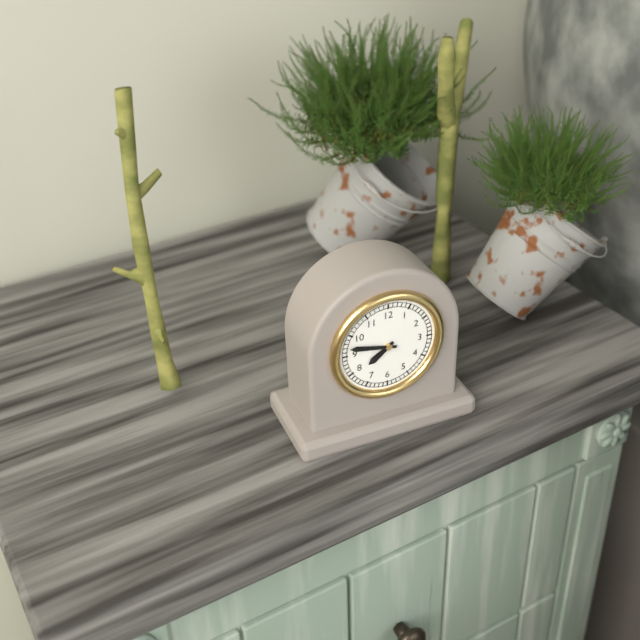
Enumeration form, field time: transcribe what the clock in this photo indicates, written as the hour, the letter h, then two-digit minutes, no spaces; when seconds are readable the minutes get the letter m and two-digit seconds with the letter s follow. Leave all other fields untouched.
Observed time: 7h47
